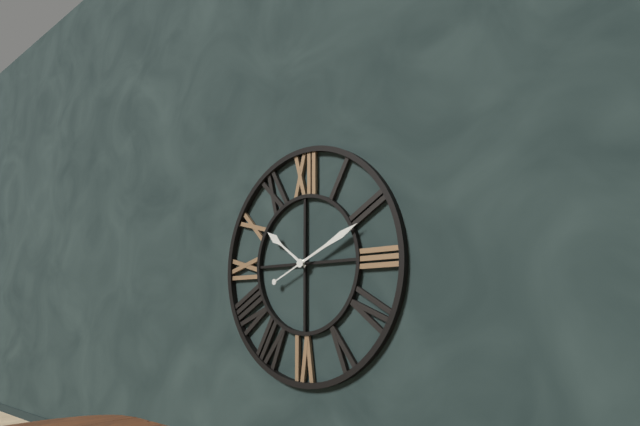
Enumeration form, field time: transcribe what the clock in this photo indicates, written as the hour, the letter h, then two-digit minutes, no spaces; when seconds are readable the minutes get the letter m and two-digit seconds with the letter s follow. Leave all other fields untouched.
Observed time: 10h11
